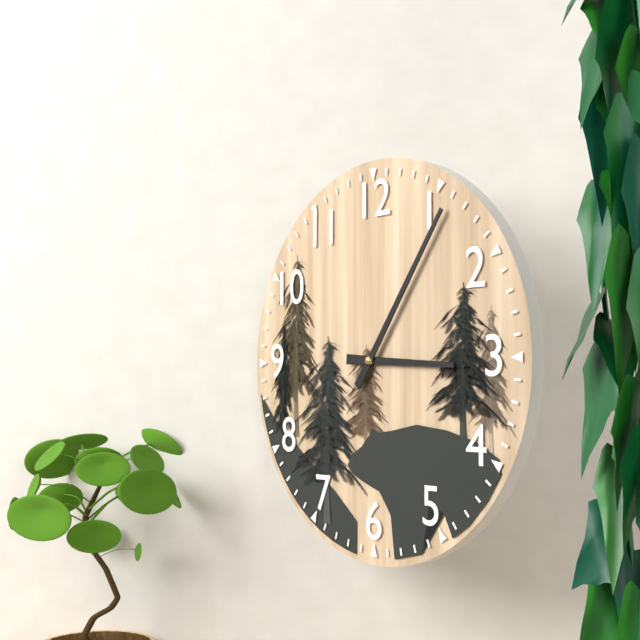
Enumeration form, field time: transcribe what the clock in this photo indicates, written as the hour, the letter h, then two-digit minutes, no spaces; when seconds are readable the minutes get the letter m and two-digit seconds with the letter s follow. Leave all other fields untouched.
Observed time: 3h06
